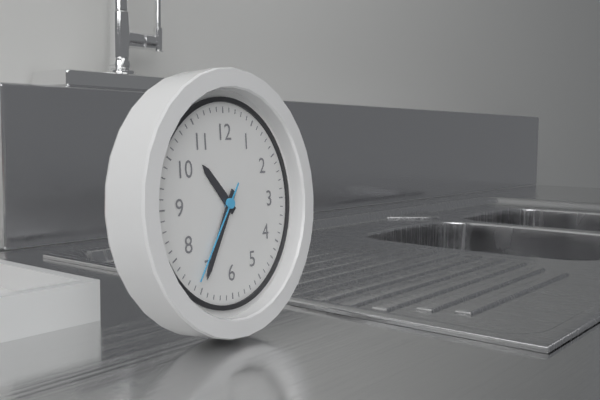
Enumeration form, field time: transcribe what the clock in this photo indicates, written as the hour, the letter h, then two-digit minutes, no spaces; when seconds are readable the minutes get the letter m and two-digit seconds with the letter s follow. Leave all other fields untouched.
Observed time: 10h35m36s
